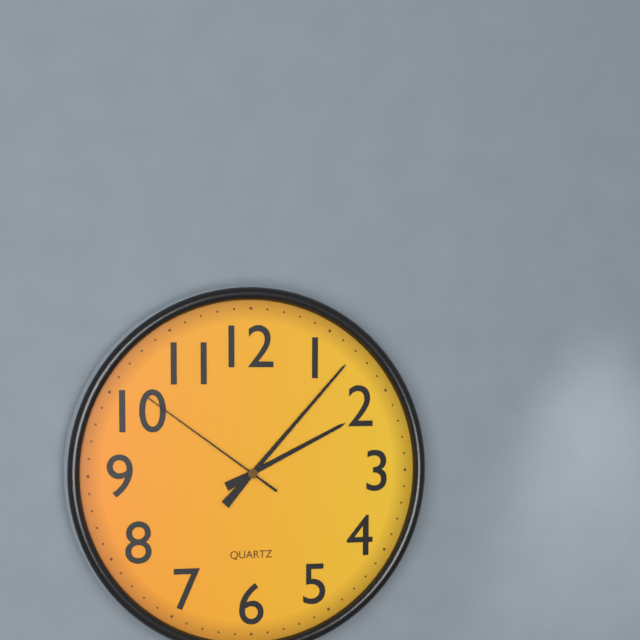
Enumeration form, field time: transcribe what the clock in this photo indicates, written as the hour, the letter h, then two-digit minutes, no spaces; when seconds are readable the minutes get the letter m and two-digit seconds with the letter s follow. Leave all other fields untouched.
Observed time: 2h07m51s
